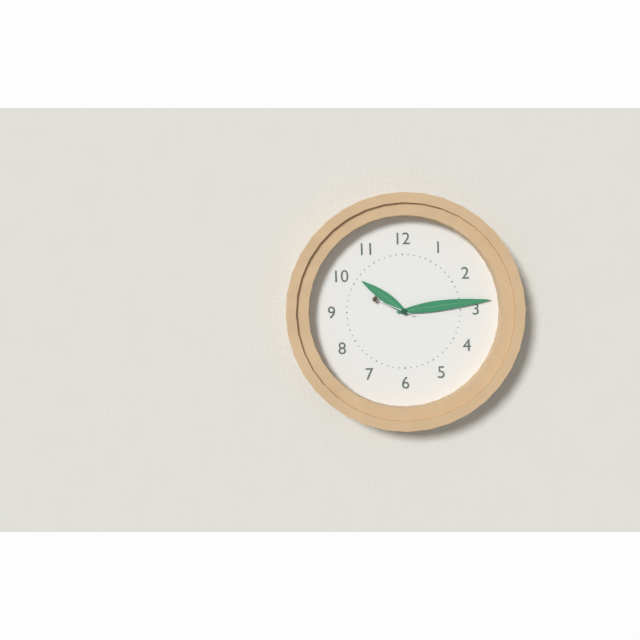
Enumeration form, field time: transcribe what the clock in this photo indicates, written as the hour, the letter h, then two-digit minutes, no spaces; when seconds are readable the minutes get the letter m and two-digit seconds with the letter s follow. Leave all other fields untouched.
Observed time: 10h14
